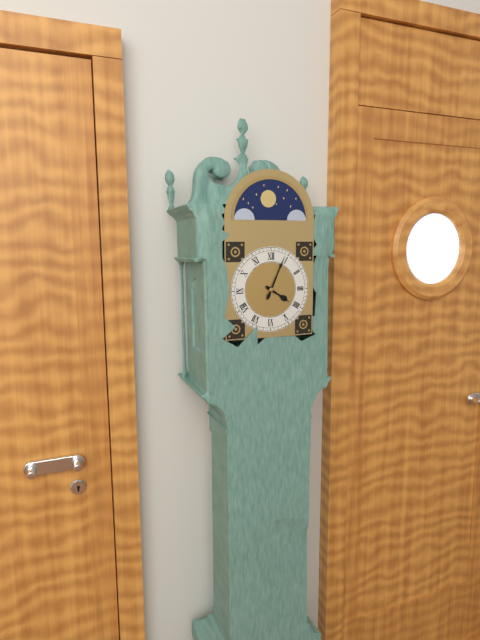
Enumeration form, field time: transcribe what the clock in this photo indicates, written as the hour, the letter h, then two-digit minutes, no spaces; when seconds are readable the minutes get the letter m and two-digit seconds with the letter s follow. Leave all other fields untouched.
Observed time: 4h04
